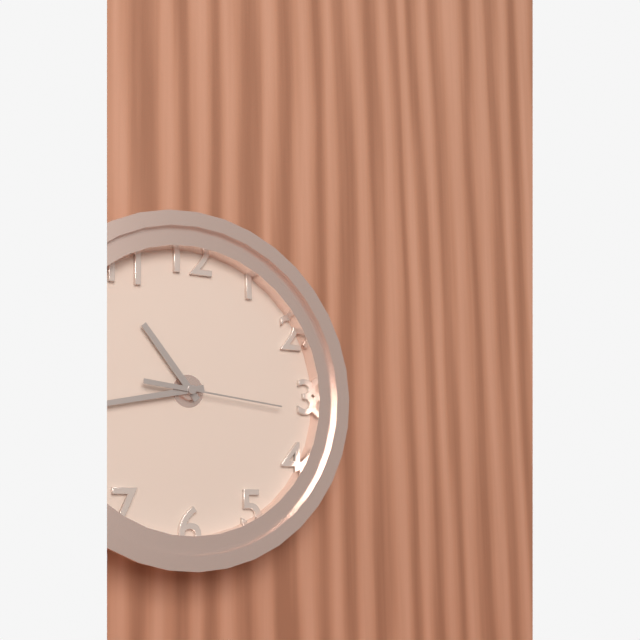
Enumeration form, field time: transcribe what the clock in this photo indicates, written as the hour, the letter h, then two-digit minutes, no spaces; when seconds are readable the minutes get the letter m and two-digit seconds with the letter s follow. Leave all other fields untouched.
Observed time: 10h43m16s
